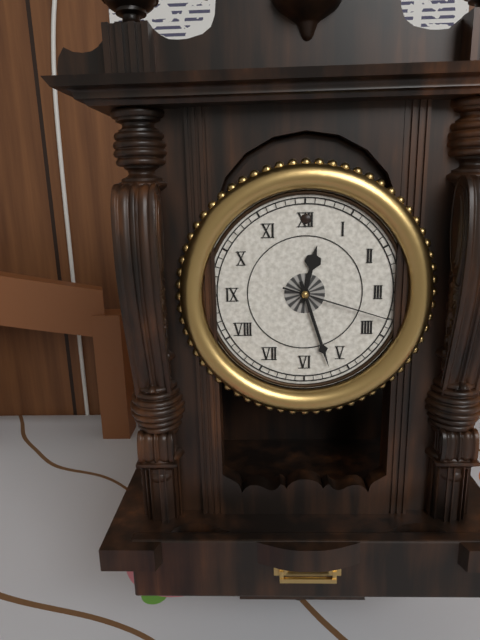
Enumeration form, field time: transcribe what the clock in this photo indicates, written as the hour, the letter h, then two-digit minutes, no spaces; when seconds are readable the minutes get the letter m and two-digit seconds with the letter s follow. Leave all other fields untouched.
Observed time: 12h27m18s
